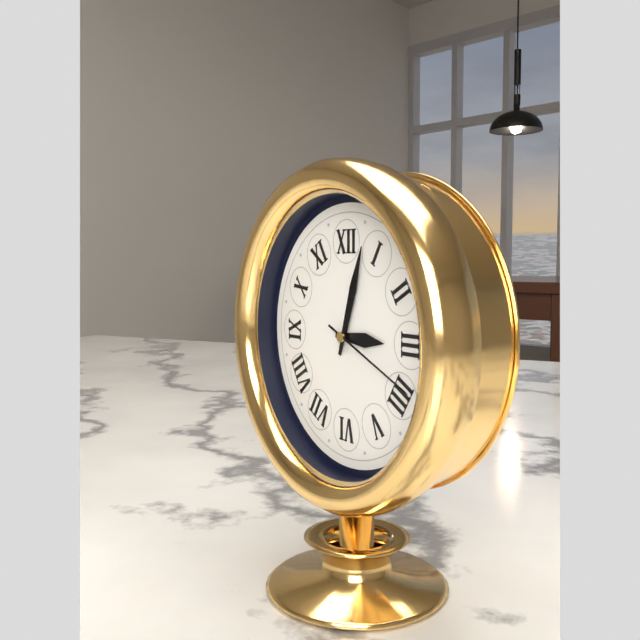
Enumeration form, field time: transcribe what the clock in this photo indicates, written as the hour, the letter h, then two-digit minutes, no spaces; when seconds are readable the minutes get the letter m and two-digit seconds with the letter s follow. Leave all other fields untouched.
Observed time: 3h03m19s
